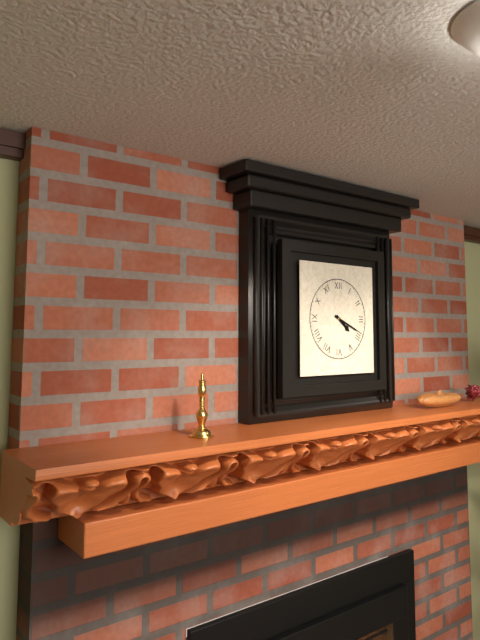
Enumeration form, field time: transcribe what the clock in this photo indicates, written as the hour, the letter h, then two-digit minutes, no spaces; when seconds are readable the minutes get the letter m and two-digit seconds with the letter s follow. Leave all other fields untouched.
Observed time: 4h19
